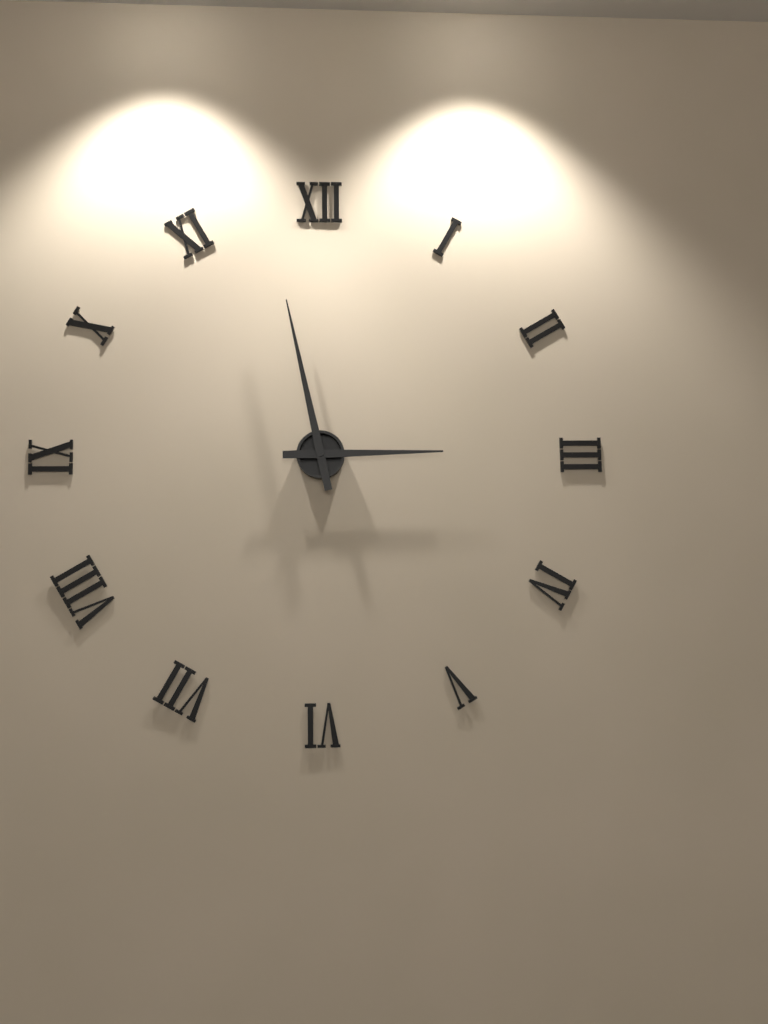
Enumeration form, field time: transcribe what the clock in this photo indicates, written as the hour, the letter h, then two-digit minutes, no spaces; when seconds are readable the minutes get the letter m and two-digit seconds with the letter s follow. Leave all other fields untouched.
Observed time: 2h58
